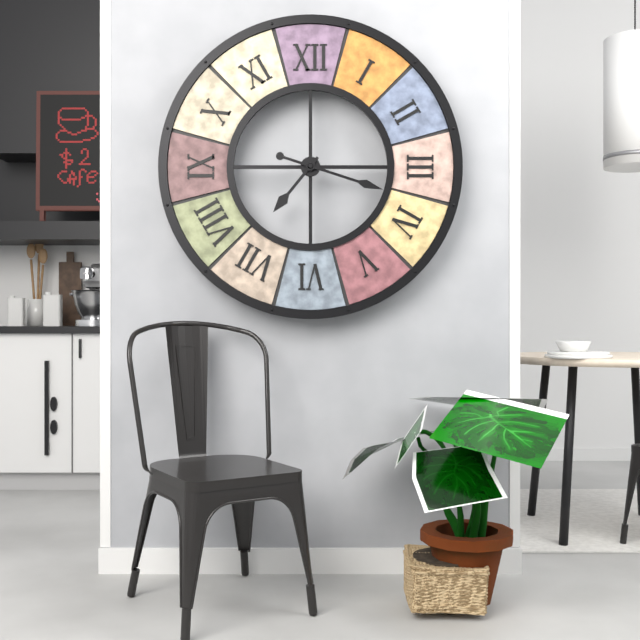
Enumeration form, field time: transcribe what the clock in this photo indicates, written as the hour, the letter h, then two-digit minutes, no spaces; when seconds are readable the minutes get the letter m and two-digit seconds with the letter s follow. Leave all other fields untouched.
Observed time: 7h18
